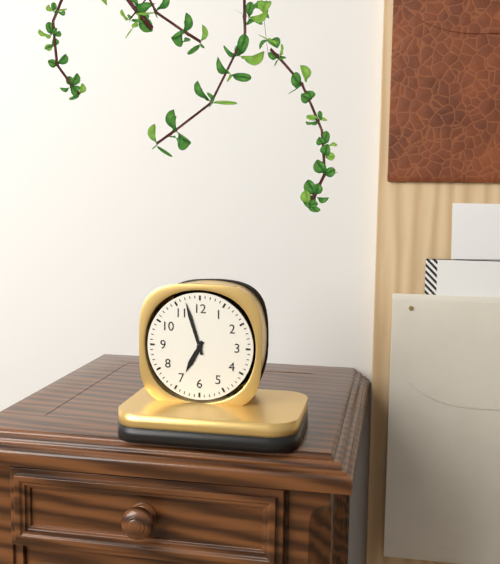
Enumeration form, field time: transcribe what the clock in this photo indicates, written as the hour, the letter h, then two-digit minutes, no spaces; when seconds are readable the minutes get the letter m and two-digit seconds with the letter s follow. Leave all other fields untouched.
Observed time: 6h57
